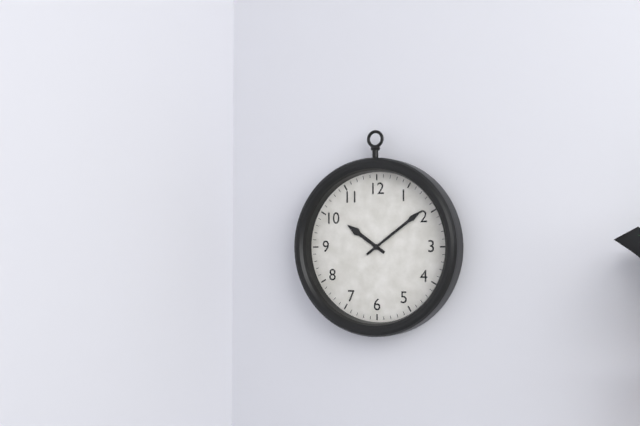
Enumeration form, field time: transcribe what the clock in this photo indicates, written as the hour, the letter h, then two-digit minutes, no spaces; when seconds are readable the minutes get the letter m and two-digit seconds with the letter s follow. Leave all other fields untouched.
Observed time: 10h09
